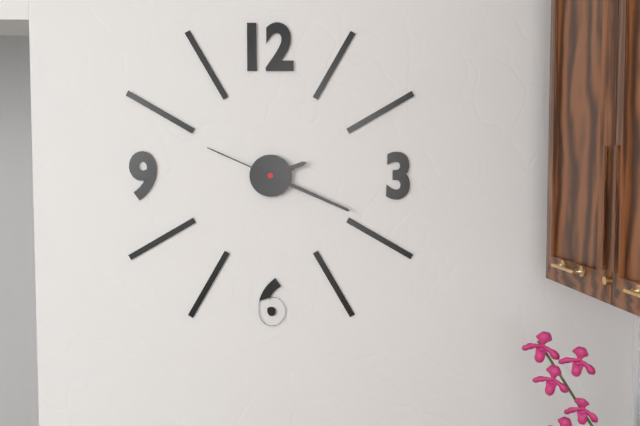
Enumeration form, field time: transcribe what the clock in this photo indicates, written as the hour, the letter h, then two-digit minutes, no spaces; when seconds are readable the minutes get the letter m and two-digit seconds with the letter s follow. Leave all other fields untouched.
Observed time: 2h19m49s
